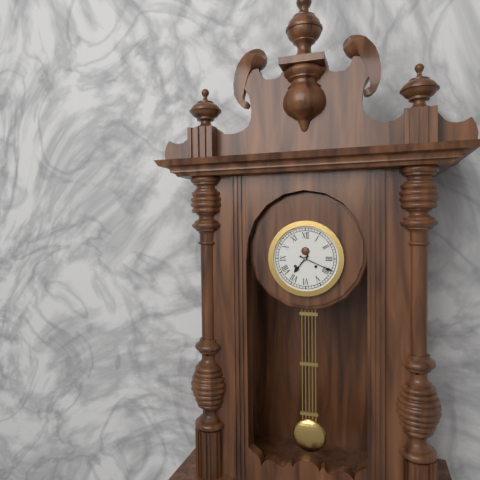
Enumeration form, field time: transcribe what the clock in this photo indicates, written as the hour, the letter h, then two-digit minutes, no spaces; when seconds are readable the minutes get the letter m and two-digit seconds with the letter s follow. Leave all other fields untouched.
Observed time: 7h19
